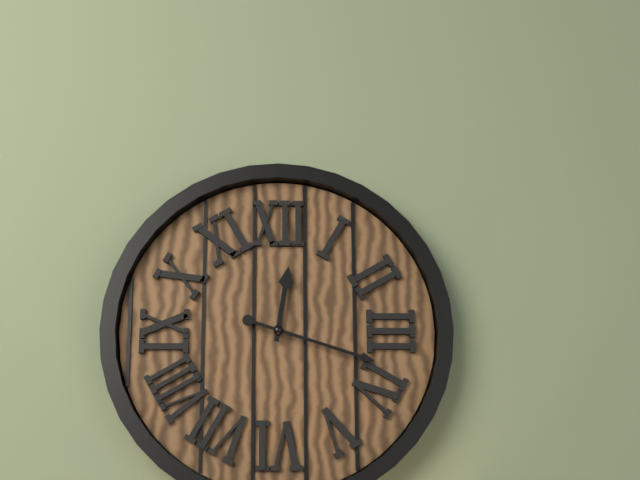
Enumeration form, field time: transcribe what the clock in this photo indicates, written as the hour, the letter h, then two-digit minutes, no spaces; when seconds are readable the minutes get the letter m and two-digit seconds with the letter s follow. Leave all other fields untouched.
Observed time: 12h18
